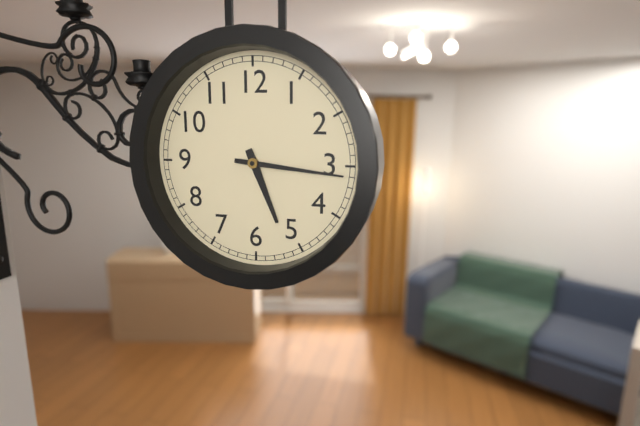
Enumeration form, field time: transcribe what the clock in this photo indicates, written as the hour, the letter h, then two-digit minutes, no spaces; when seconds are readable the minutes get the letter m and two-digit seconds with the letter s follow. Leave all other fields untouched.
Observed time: 5h16
